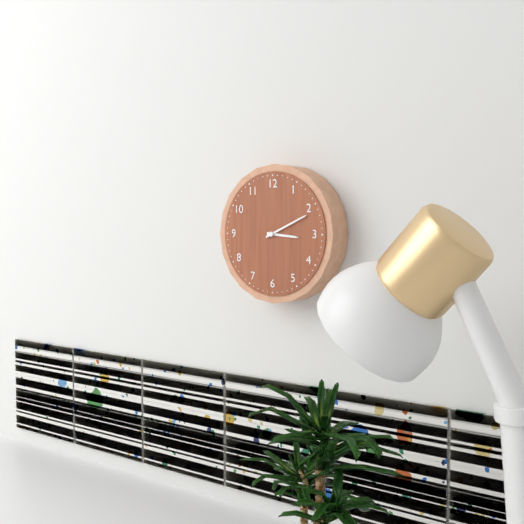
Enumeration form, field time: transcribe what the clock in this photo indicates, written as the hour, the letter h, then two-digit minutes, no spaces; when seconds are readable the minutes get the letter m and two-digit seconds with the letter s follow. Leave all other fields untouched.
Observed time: 3h11
